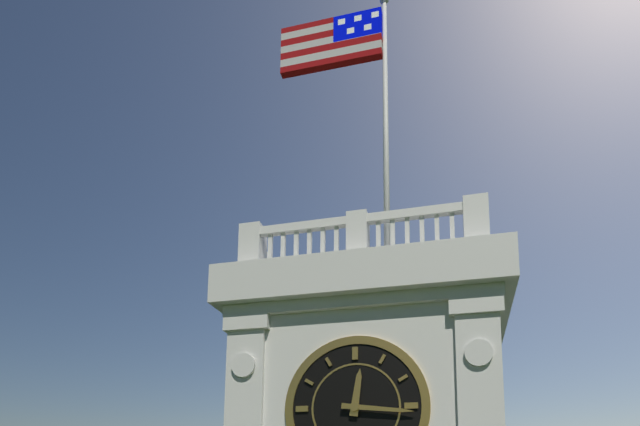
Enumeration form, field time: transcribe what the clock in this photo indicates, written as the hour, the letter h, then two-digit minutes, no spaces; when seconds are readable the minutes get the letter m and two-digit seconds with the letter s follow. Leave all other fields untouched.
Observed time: 12h16
